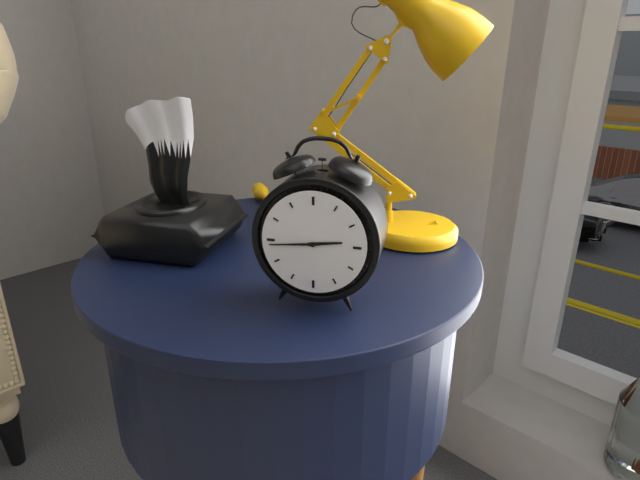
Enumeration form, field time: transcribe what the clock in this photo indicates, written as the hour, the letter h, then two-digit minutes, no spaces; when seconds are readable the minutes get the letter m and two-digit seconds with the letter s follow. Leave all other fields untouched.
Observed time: 2h44
